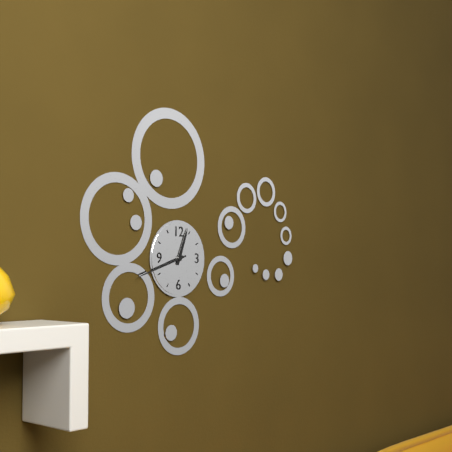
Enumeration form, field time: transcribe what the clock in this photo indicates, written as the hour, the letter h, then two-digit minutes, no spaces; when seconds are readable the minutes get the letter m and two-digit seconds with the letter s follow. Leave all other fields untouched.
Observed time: 12h42
